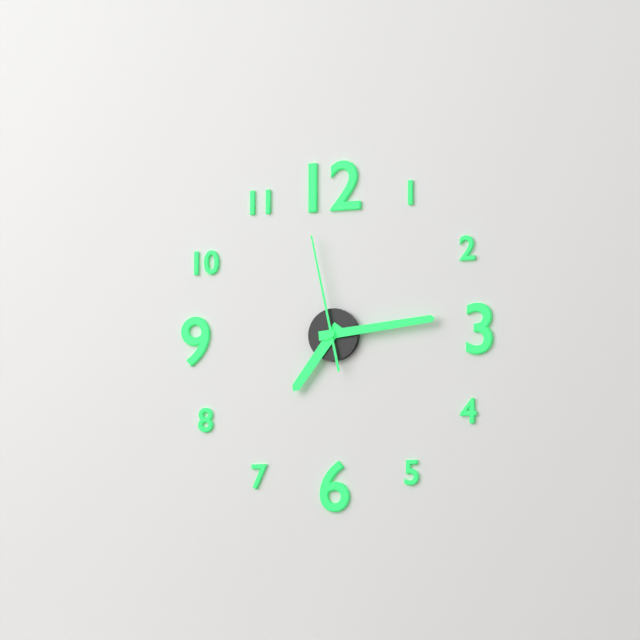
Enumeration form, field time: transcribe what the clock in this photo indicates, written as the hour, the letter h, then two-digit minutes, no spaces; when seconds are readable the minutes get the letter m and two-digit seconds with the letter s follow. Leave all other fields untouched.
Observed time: 7h14m58s
